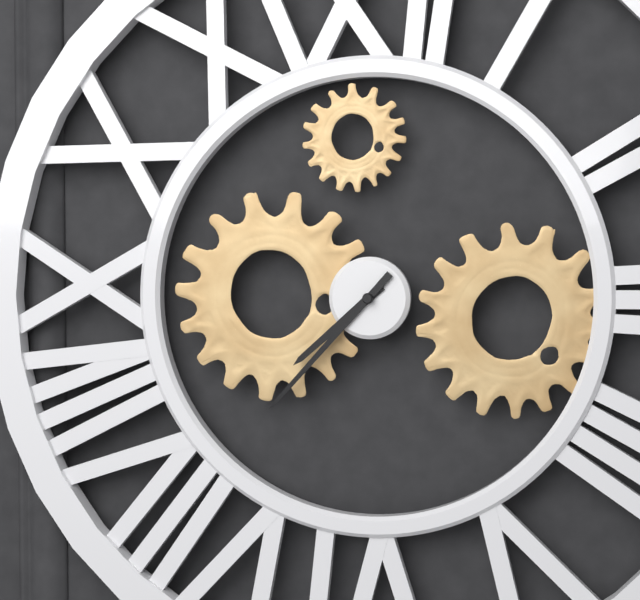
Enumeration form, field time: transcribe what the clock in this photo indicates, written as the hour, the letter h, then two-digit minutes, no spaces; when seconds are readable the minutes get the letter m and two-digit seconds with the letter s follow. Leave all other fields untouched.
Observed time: 7h37
